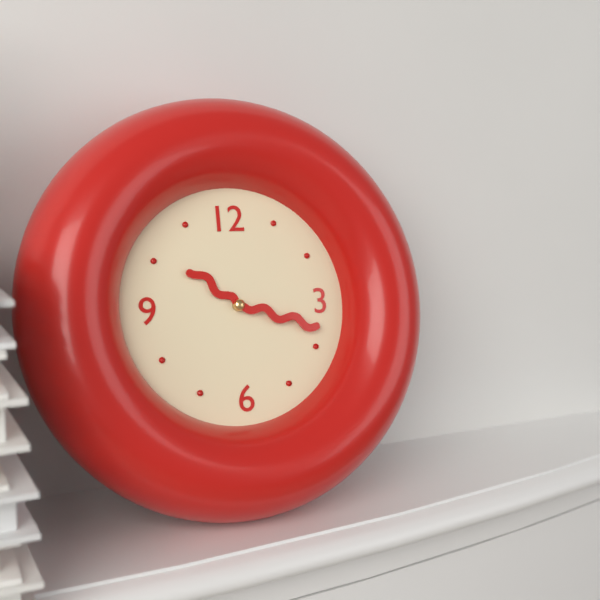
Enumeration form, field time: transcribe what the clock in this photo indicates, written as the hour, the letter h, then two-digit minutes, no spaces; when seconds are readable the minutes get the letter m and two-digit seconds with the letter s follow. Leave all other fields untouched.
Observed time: 10h18
